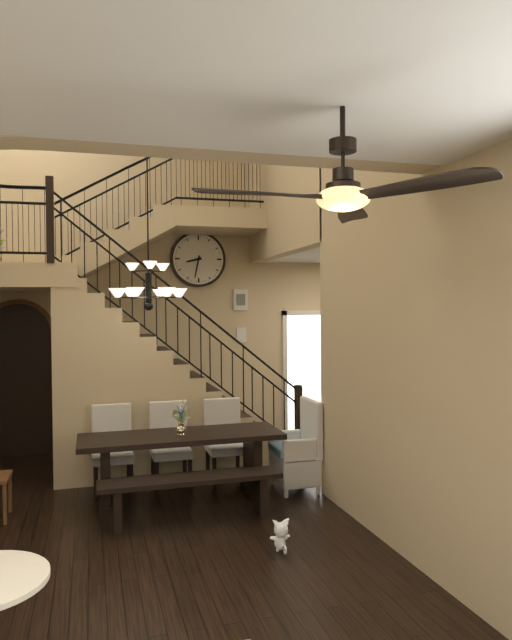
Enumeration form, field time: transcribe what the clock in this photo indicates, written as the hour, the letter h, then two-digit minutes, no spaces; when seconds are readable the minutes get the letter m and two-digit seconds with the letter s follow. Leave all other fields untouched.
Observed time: 8h32
